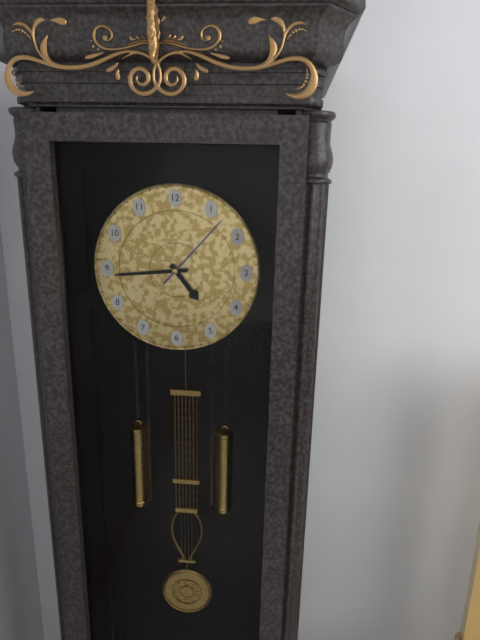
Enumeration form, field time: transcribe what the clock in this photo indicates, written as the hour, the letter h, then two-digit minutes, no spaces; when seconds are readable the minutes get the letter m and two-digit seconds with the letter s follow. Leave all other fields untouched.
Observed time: 4h44m07s
